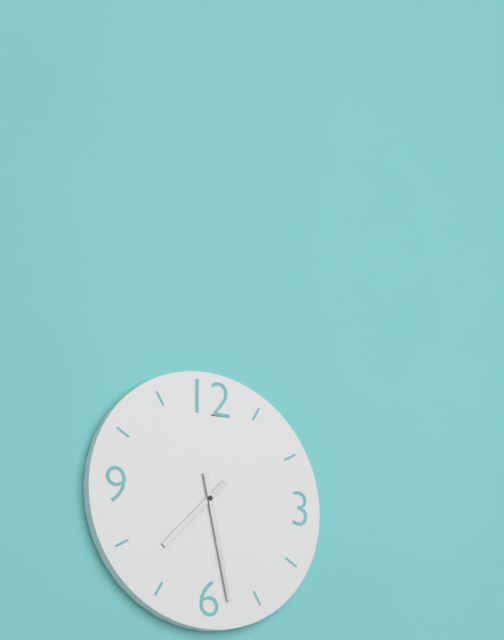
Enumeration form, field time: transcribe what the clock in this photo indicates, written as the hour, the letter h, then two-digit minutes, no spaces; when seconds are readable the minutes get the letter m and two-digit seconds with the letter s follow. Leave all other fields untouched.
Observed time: 7h28
